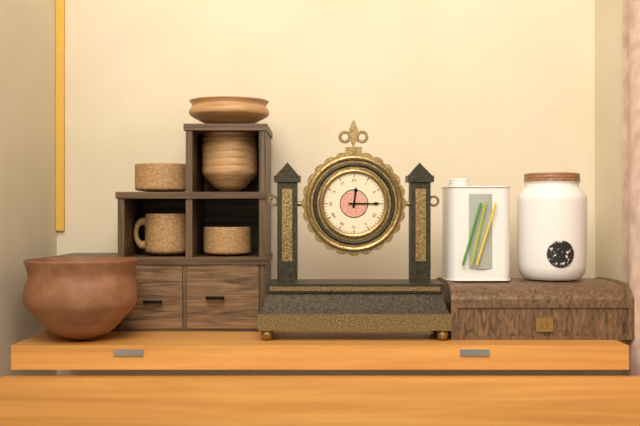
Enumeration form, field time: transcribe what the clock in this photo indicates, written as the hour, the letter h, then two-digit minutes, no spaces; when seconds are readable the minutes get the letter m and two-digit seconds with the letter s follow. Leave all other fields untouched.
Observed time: 12h15
